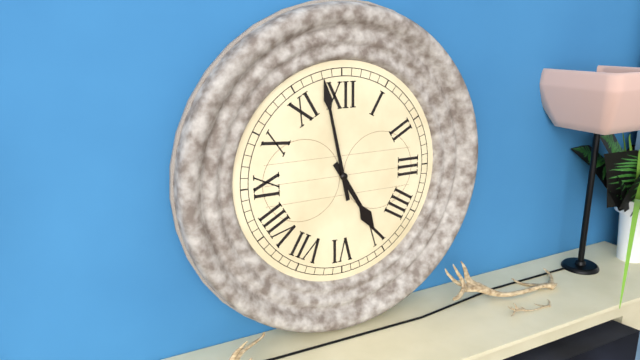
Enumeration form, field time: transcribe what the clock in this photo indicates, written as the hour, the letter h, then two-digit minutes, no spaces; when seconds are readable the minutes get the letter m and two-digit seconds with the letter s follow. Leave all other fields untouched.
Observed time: 4h58
